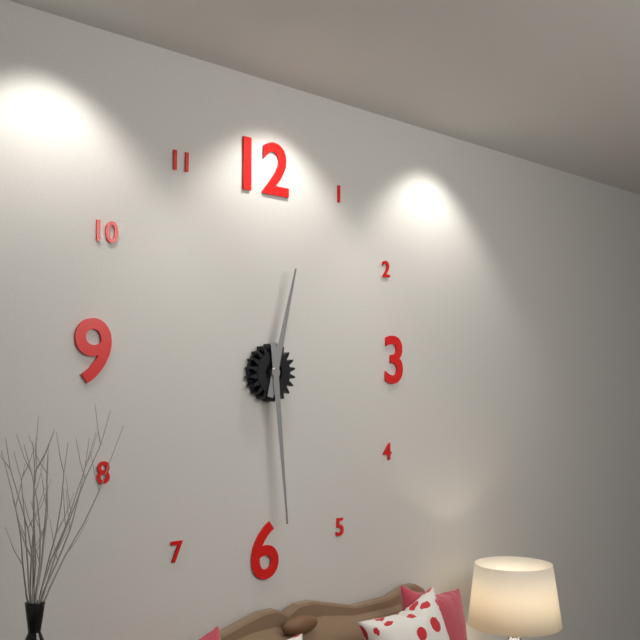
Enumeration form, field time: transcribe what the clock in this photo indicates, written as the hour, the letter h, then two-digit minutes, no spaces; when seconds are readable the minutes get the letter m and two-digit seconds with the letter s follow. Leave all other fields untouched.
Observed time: 12h29
